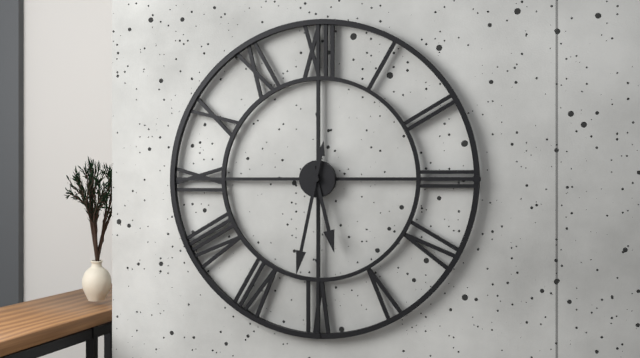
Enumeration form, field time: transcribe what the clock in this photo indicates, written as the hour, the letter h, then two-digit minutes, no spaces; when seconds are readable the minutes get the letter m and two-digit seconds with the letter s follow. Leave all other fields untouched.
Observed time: 5h32
